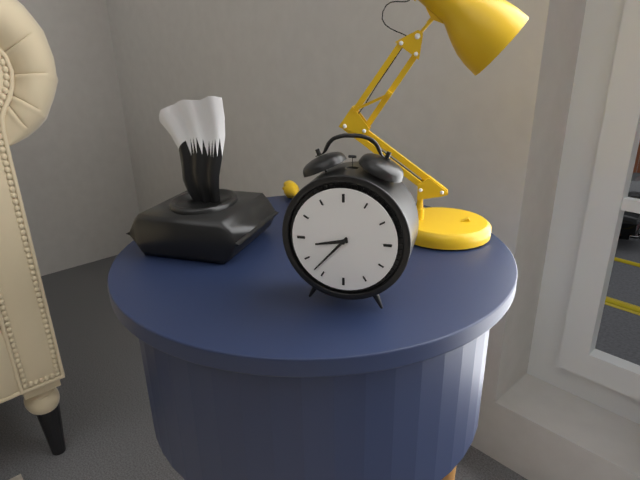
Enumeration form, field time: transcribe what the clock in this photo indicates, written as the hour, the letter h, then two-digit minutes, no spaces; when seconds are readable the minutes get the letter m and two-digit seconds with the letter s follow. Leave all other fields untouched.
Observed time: 8h37
